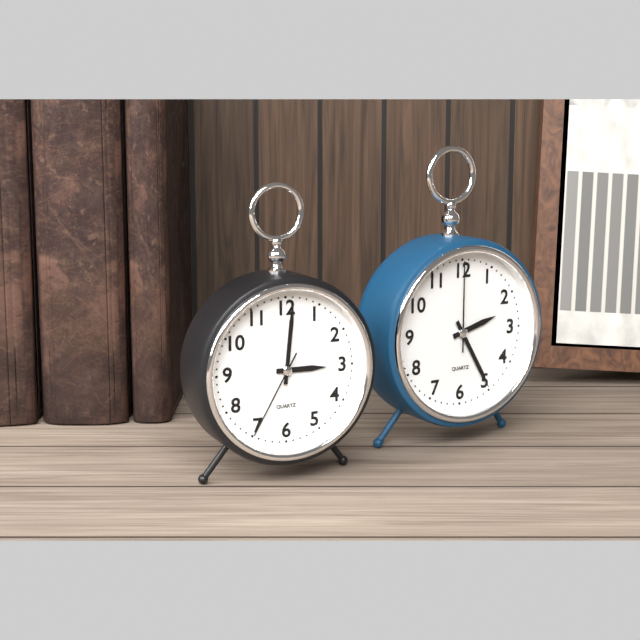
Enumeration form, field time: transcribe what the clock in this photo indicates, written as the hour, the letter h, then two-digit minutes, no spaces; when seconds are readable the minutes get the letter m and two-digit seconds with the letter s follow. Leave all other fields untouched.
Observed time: 3h01m35s
